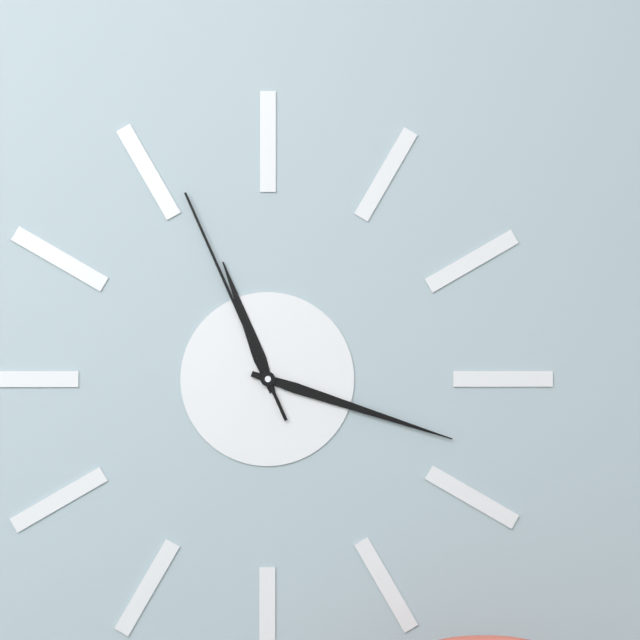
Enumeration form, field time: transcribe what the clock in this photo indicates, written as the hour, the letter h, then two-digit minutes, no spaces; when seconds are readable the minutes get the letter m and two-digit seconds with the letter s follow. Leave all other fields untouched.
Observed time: 11h18m56s
